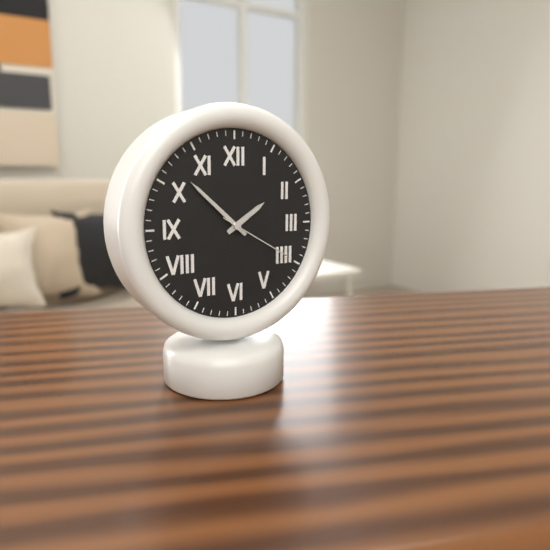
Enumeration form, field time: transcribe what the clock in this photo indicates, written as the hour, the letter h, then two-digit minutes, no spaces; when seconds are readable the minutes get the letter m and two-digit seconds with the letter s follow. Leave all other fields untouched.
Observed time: 1h52m20s
